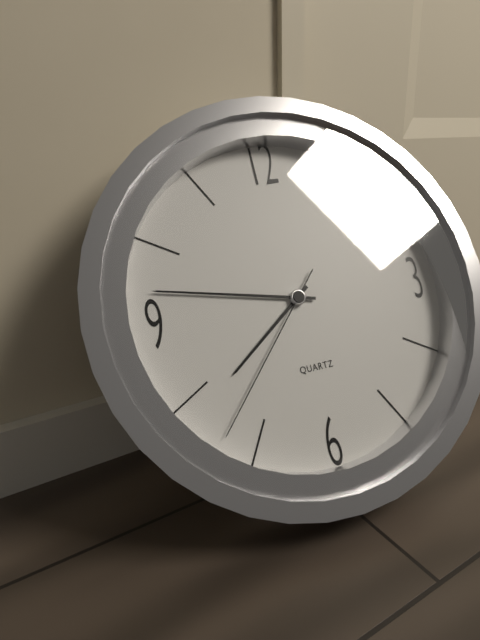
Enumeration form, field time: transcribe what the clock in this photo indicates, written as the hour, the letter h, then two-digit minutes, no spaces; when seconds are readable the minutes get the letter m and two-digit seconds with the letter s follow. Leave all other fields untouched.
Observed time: 7h47m37s
